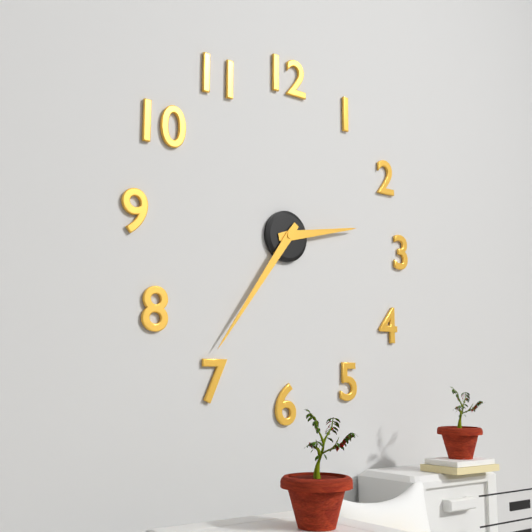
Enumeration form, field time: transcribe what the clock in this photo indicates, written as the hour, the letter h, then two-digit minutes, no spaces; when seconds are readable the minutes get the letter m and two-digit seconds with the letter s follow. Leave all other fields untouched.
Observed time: 2h36
